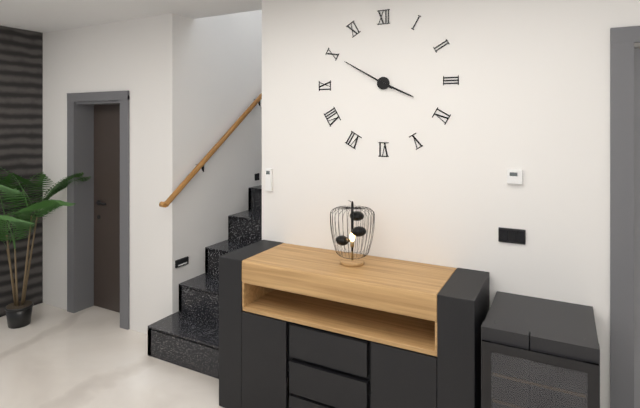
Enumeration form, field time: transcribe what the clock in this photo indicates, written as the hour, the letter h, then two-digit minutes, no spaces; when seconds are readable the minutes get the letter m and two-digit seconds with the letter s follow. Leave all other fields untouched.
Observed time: 3h50
